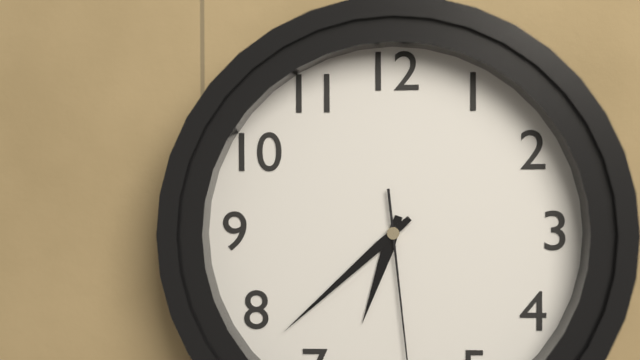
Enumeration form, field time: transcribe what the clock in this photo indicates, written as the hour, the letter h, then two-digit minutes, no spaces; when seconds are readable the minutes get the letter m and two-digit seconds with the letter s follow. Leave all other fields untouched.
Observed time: 6h38
